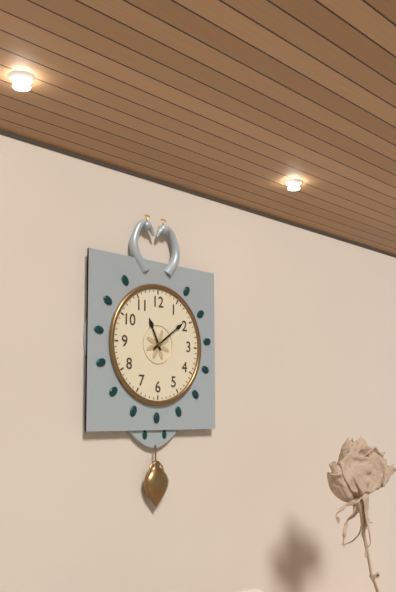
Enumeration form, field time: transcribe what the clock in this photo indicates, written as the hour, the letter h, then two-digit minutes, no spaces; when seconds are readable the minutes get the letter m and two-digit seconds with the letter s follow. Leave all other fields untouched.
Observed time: 11h09
